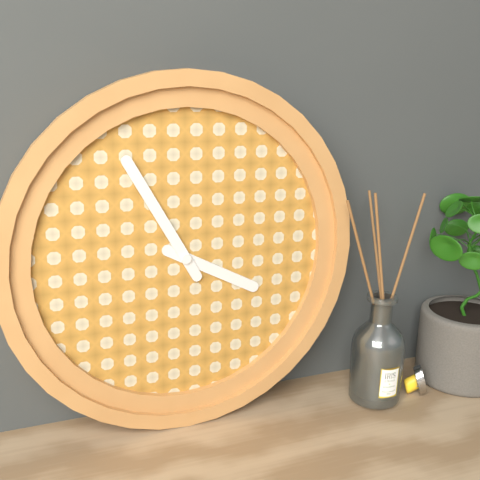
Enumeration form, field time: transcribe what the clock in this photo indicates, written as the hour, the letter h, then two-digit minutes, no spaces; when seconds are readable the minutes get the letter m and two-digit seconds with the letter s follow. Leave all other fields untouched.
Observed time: 3h55
